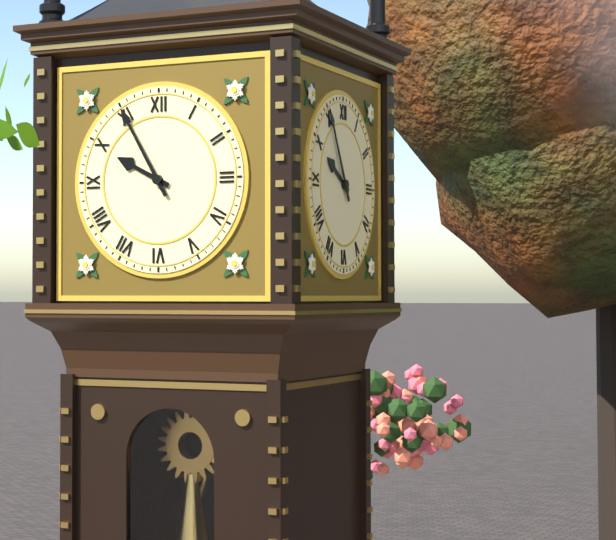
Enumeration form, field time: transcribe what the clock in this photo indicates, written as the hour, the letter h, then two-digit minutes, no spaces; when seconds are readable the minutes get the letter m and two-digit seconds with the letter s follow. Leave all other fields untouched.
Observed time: 9h55
